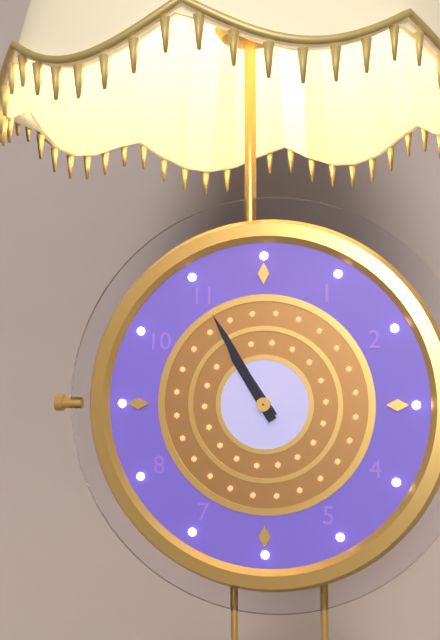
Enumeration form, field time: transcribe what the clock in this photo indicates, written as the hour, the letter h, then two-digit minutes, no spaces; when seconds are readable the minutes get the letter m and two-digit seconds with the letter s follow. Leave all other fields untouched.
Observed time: 10h55
